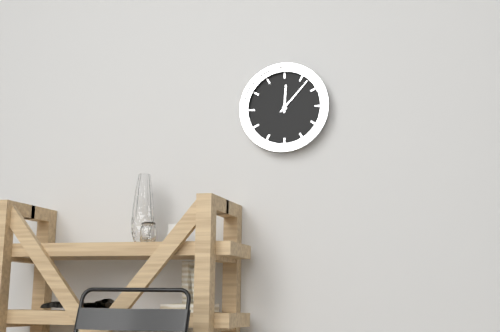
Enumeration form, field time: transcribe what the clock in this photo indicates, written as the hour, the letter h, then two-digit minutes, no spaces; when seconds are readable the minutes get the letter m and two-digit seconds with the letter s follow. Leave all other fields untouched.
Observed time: 12h07
